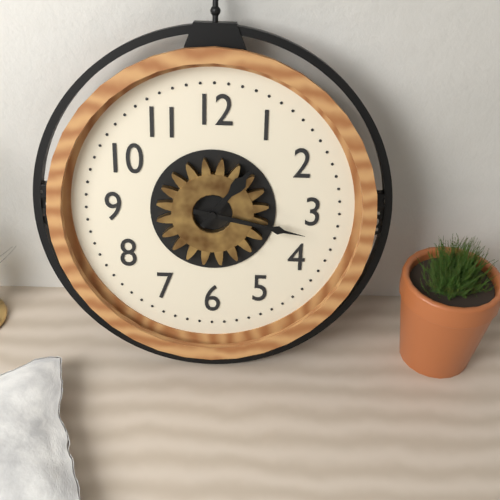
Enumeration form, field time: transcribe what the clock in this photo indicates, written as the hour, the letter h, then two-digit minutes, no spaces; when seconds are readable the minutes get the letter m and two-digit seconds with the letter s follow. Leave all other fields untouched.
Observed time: 1h17
